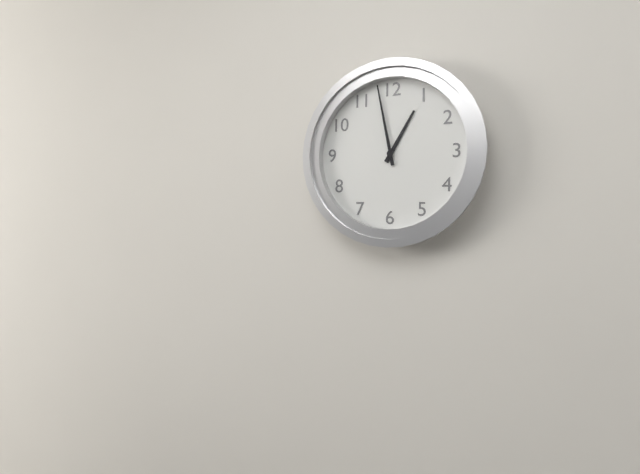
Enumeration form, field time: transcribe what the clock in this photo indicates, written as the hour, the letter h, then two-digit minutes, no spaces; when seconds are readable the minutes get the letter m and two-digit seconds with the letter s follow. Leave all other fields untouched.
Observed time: 12h58
